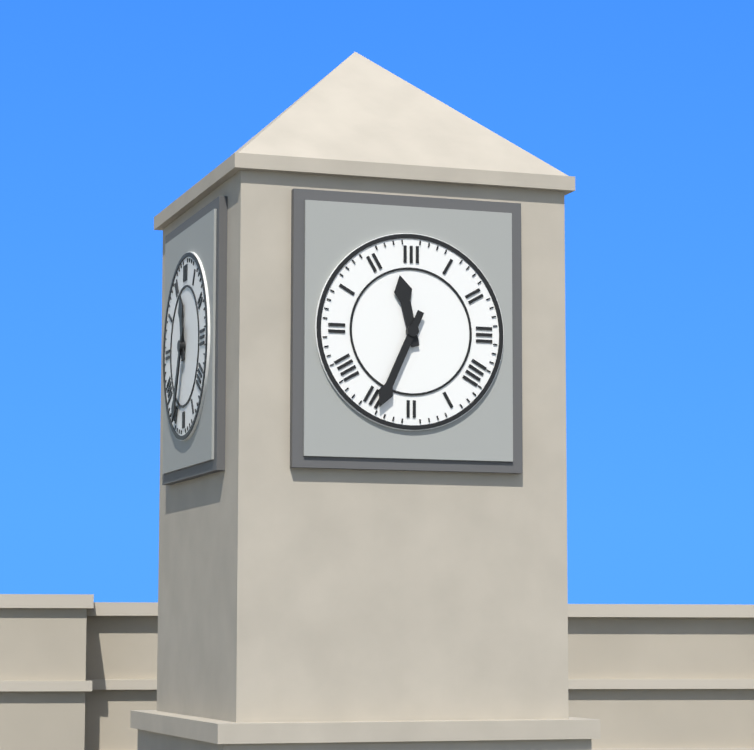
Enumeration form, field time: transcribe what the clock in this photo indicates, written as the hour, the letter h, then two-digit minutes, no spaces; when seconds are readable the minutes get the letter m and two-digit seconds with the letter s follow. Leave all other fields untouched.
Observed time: 11h34
